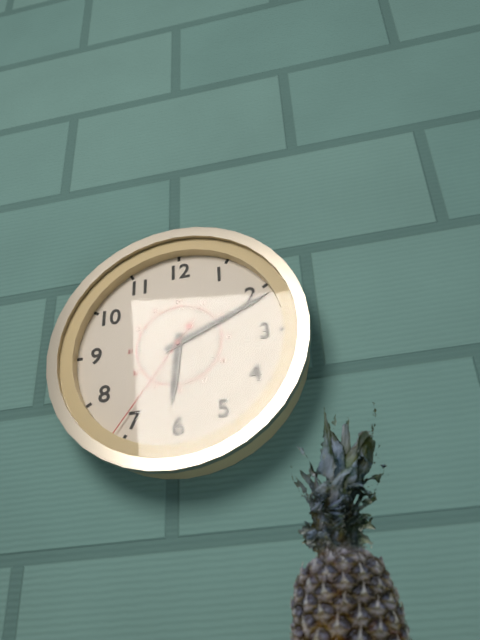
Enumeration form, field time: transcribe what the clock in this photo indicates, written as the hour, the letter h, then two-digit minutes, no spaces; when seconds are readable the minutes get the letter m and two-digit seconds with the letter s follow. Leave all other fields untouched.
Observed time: 6h11m36s
